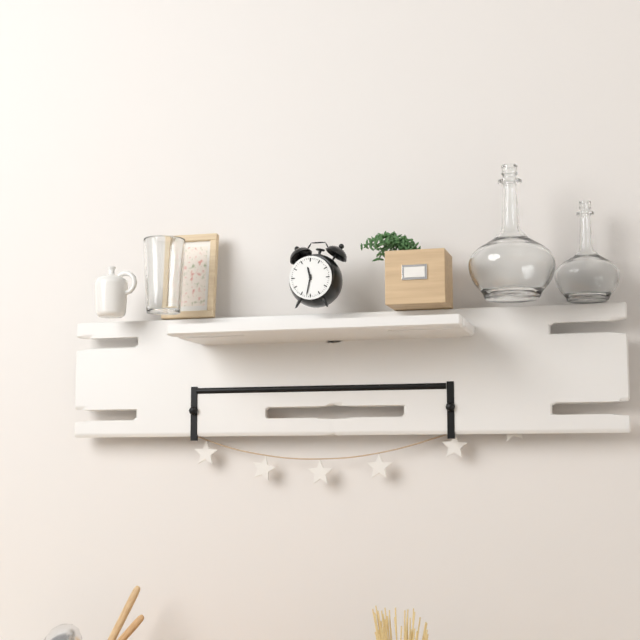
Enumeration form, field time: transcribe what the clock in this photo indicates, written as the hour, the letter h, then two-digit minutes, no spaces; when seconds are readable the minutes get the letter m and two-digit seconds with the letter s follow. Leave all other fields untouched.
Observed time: 11h32
